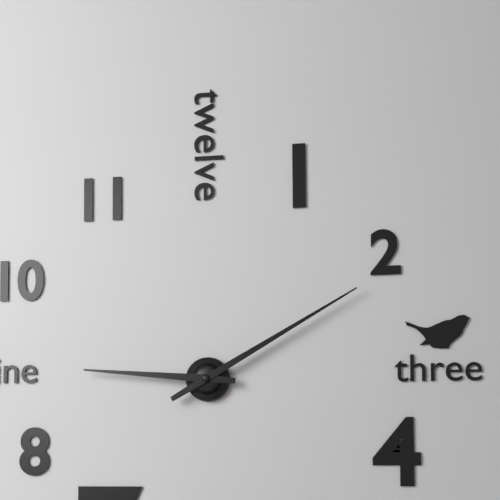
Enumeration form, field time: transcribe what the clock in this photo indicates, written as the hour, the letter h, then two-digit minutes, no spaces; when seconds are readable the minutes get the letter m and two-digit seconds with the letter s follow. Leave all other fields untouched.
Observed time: 9h10
